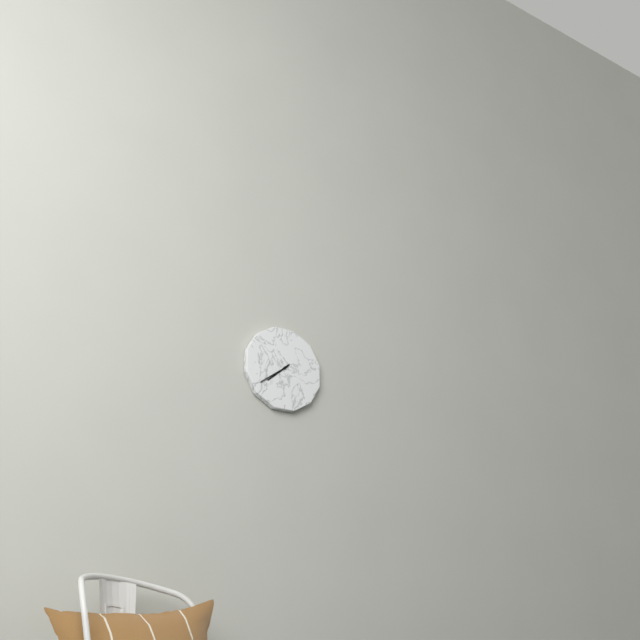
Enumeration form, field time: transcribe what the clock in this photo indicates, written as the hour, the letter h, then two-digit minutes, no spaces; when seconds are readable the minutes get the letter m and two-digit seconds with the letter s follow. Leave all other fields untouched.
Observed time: 7h39
